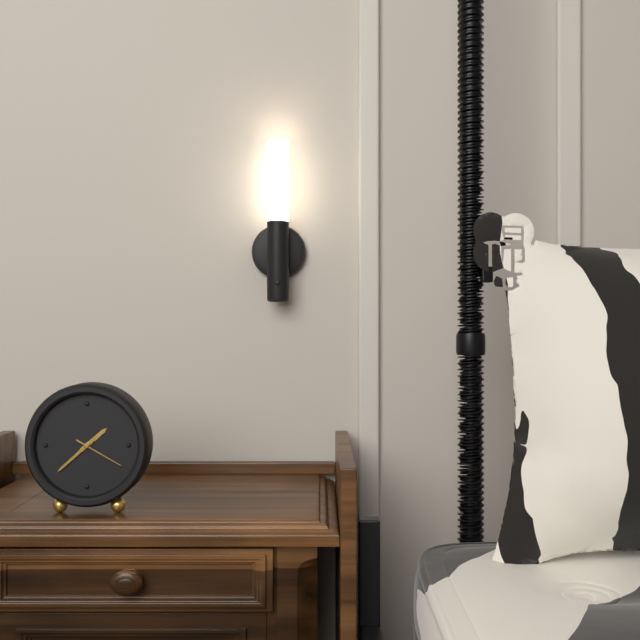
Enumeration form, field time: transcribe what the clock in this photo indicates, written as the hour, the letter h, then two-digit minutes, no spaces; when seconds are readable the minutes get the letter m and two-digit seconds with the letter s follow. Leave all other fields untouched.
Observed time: 1h38m20s
